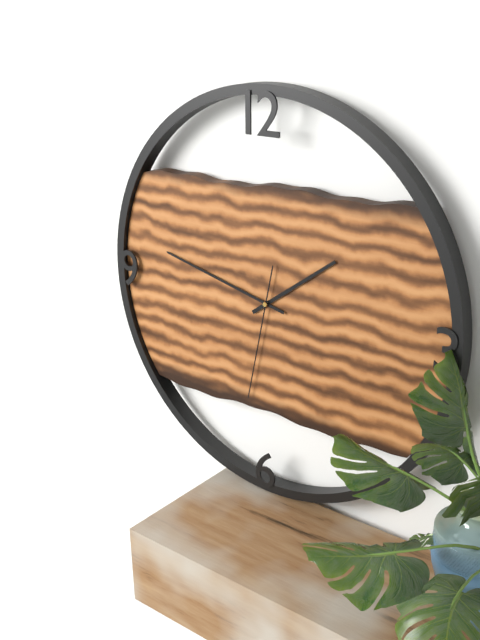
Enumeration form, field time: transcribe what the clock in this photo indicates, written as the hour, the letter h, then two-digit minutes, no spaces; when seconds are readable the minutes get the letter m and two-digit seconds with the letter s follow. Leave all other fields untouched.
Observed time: 1h47m32s
